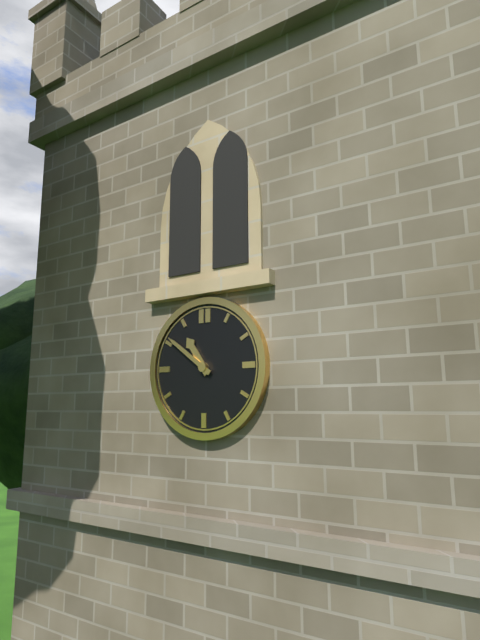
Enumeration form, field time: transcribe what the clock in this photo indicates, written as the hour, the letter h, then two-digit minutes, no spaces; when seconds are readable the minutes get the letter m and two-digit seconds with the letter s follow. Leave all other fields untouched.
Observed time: 10h51
